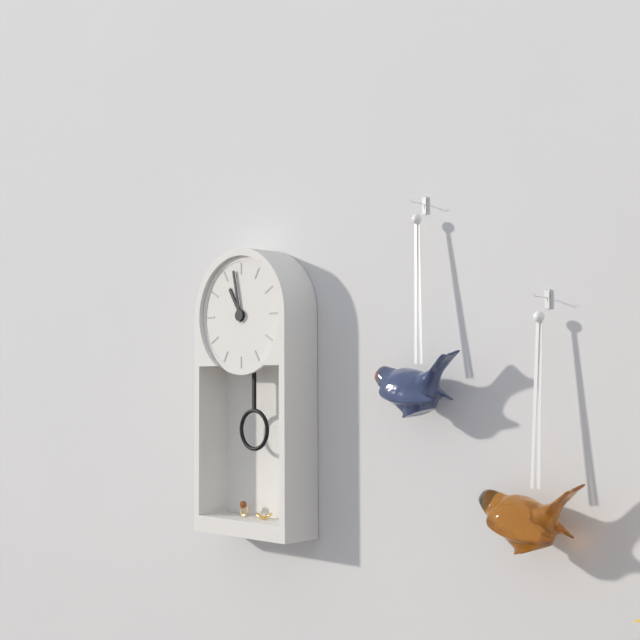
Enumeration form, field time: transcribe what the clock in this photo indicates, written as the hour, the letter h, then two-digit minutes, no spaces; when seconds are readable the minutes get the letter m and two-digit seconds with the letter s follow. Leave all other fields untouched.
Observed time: 10h58
